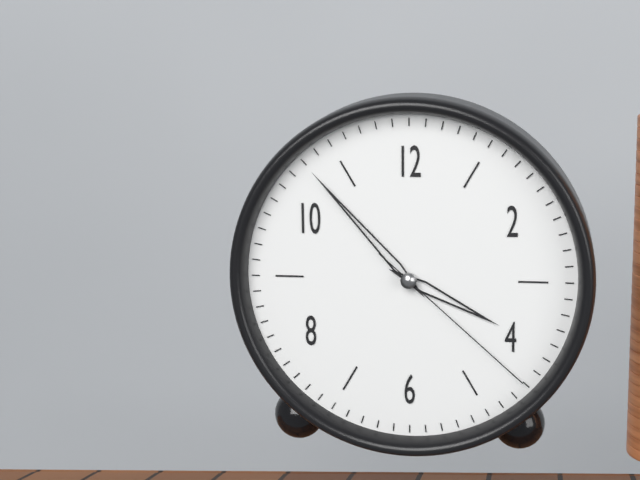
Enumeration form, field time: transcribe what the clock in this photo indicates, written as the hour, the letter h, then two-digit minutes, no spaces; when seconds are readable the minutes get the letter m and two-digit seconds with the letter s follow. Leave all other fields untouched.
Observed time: 3h53m22s
